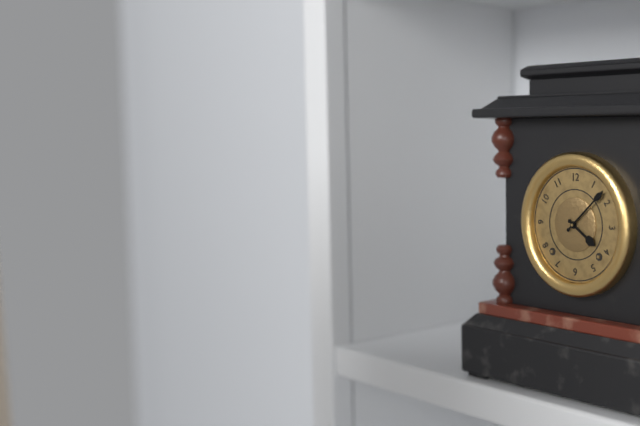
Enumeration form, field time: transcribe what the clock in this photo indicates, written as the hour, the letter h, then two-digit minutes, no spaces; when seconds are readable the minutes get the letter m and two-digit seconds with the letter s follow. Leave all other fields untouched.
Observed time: 4h08
